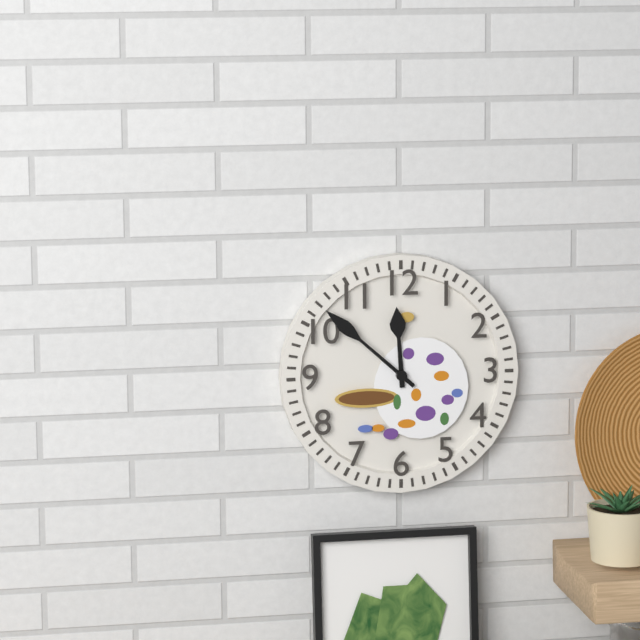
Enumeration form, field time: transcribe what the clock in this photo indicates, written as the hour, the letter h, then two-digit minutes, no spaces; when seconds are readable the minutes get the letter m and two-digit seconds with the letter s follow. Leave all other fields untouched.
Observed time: 11h52
